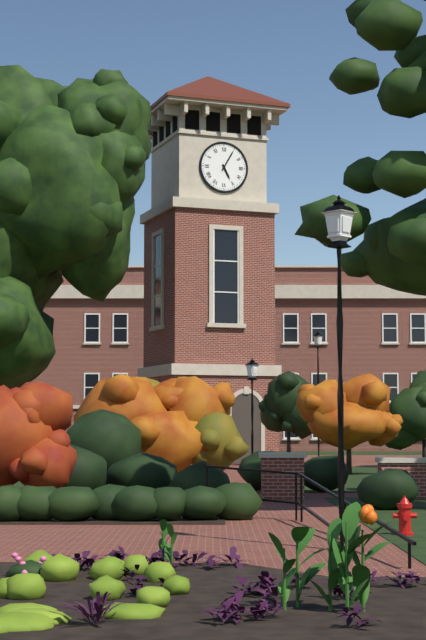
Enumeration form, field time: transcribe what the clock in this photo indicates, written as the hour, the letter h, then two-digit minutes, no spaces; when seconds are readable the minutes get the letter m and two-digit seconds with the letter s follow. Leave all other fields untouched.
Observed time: 5h05
